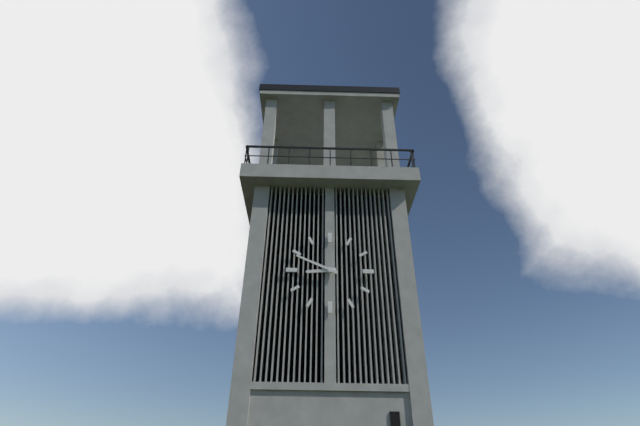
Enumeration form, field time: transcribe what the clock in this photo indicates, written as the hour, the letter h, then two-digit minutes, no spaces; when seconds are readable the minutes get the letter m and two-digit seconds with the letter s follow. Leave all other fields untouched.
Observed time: 8h49
